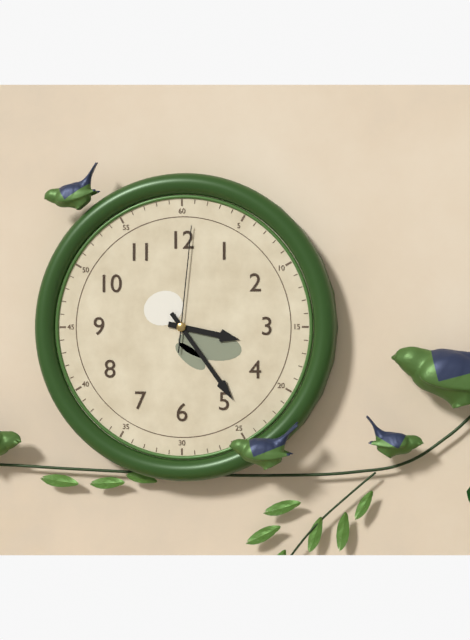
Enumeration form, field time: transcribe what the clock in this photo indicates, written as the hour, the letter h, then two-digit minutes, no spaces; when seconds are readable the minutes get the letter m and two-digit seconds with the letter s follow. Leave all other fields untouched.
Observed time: 3h24m01s
